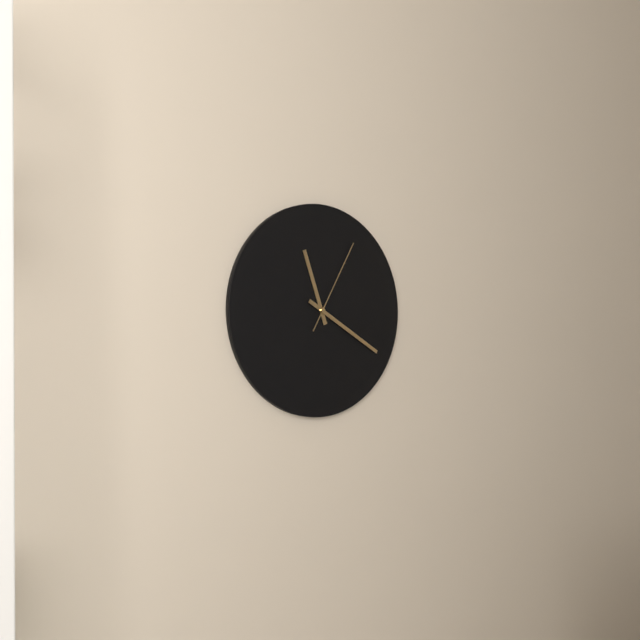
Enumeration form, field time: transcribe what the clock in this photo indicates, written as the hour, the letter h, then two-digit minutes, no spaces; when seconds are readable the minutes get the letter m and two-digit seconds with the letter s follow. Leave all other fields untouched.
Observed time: 11h20m05s
